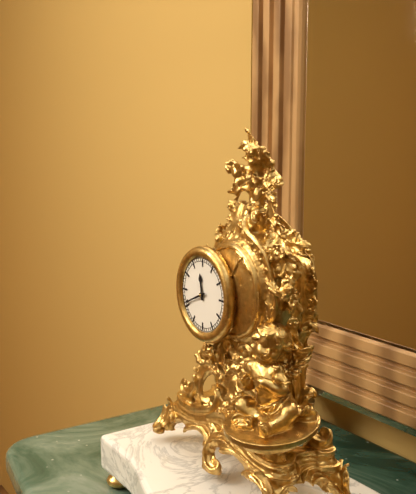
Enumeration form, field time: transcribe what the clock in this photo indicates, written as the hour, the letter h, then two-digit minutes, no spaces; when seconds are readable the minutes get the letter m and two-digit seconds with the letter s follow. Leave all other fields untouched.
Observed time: 11h41
